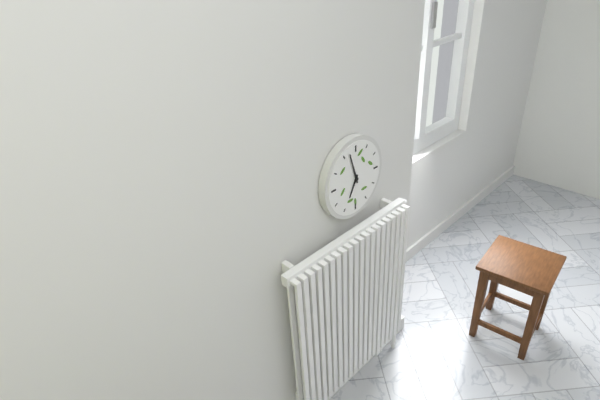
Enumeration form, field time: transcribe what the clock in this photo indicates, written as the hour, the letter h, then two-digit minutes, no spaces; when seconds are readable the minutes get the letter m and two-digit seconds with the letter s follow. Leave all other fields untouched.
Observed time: 6h57
